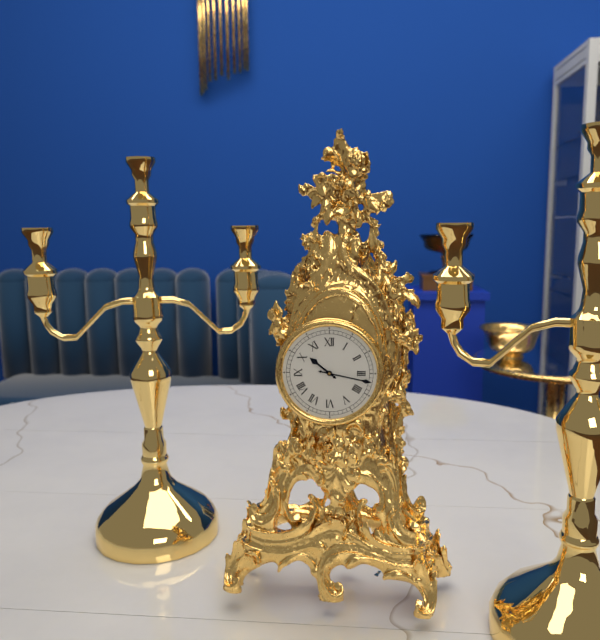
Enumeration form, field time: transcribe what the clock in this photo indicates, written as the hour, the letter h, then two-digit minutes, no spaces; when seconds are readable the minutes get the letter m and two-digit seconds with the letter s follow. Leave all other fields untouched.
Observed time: 10h17
